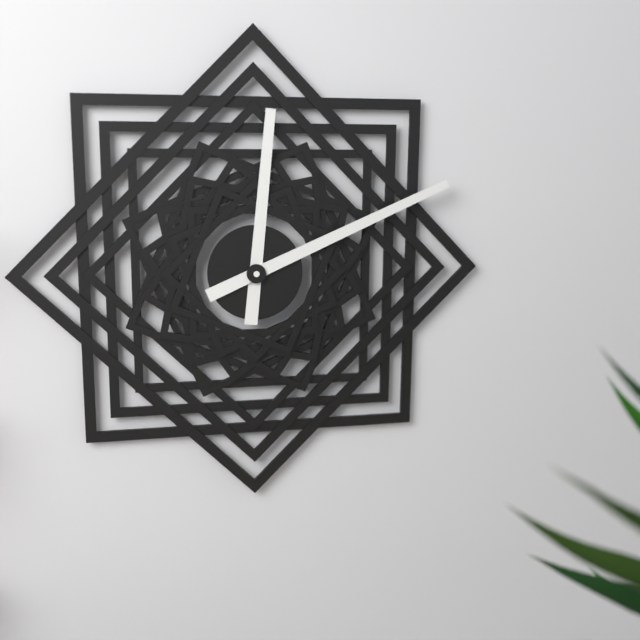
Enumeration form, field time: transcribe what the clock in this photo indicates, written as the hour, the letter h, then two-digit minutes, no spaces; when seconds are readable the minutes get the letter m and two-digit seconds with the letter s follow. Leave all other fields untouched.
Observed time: 12h11
